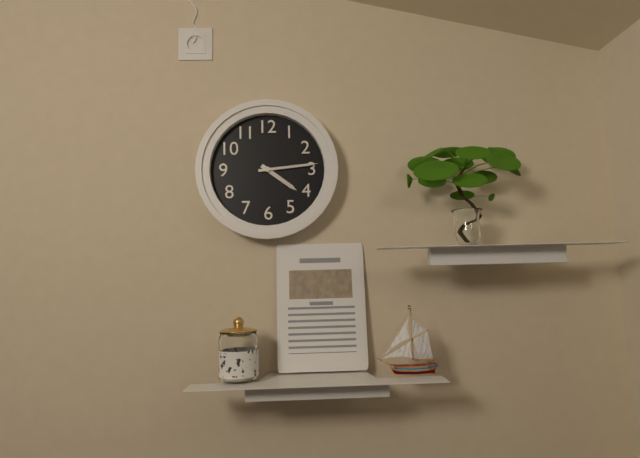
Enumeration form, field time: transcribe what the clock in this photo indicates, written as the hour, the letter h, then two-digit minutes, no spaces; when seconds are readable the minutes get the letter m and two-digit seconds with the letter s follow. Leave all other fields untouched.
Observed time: 4h14
